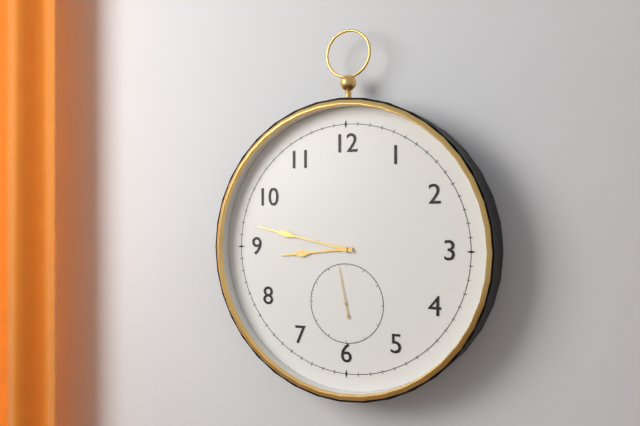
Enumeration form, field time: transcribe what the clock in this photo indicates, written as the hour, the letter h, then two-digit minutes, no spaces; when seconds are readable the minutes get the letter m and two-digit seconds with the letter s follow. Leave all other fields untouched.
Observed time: 8h47
